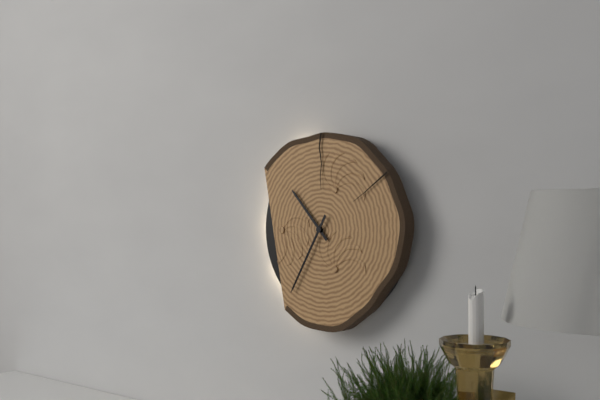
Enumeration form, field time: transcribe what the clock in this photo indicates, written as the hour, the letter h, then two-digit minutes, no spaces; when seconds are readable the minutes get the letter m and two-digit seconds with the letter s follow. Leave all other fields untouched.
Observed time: 10h35
